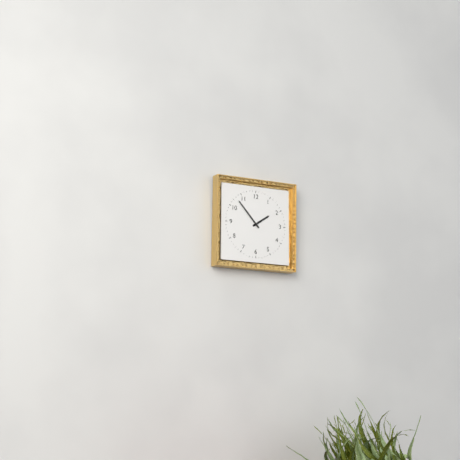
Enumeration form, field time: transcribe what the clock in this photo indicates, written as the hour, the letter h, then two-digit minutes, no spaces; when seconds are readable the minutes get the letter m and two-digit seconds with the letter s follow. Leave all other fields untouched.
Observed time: 1h53
